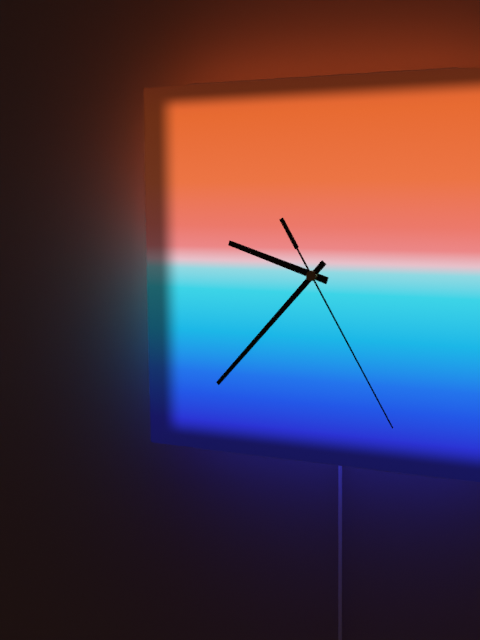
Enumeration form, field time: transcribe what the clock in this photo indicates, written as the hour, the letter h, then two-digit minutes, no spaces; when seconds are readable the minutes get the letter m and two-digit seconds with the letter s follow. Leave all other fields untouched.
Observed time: 9h37m25s
